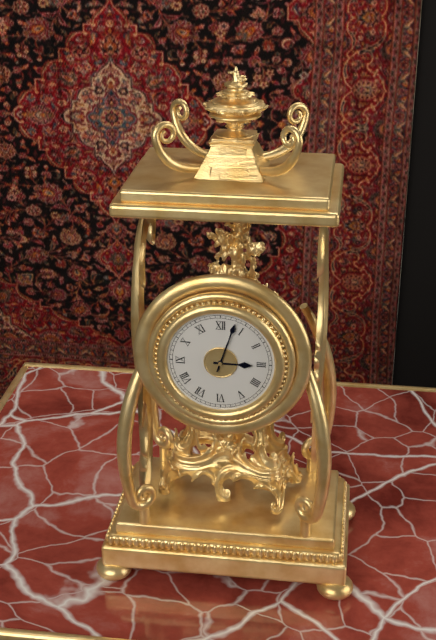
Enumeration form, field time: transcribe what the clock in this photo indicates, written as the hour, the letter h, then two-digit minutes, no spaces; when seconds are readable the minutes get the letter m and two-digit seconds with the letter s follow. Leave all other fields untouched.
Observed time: 3h03
